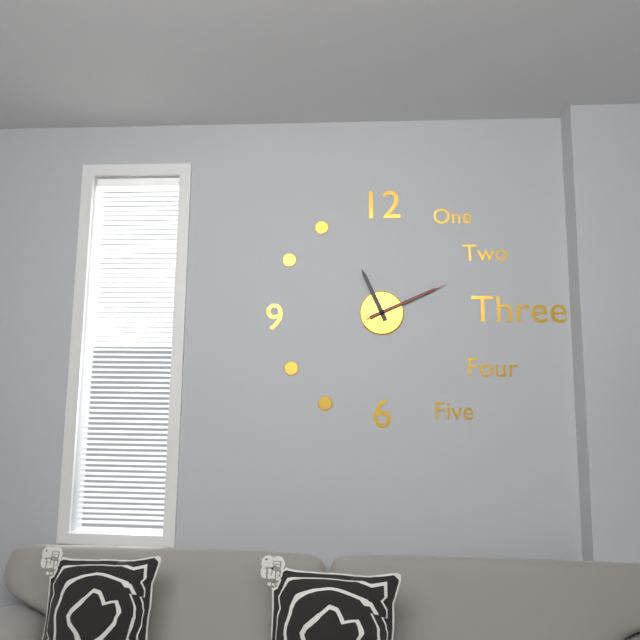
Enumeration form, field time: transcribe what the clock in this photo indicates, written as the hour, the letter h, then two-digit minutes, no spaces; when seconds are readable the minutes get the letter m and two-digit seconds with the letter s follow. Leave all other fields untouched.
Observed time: 11h11m11s
